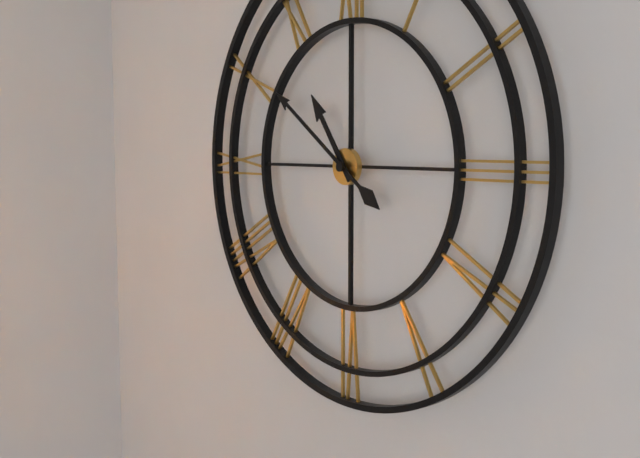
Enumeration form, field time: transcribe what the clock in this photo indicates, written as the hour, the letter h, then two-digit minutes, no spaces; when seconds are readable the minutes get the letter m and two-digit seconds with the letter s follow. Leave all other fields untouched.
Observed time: 10h51
